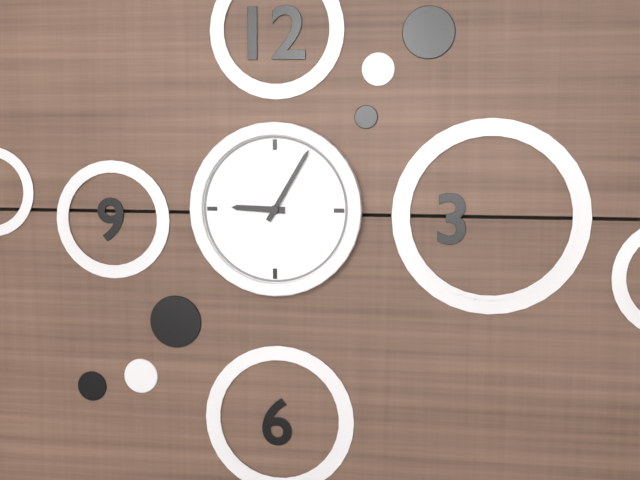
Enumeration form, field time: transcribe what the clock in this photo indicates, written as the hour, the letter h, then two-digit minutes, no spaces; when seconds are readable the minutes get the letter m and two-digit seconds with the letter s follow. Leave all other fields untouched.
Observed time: 9h05
